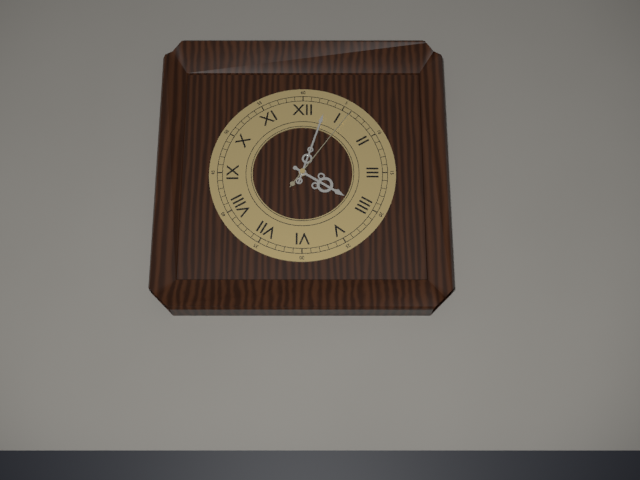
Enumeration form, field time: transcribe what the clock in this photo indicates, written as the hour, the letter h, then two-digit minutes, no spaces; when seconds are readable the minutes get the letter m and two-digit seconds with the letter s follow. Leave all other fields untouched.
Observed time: 4h03m06s
